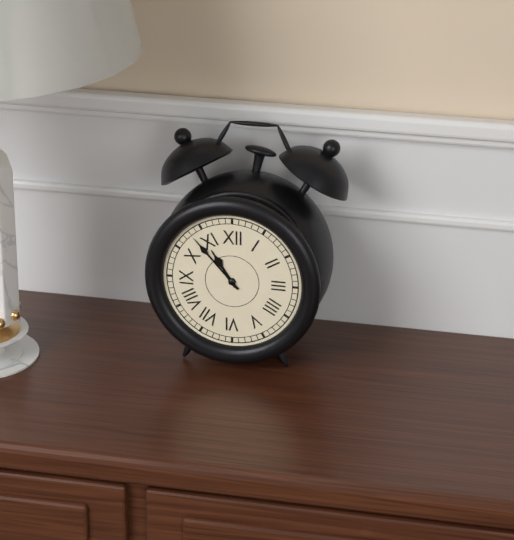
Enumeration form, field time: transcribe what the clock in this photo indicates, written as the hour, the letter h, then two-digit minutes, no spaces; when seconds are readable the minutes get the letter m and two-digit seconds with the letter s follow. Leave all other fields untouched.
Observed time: 10h53
